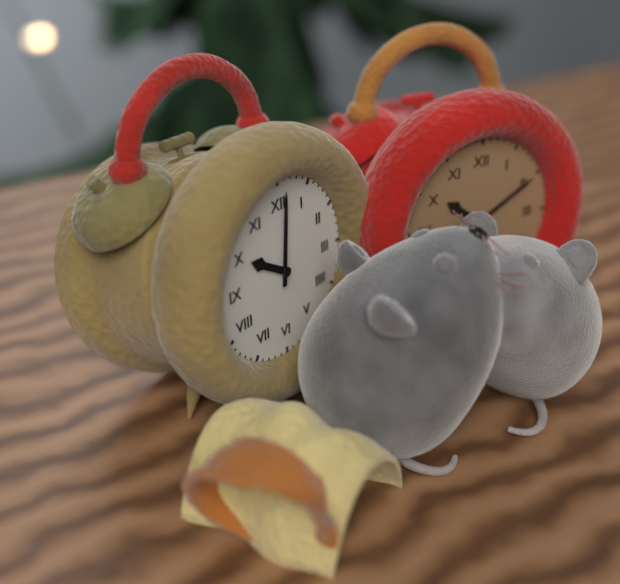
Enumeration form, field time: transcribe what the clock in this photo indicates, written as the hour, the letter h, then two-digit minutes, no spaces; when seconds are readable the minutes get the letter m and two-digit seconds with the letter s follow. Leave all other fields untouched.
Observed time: 10h01
